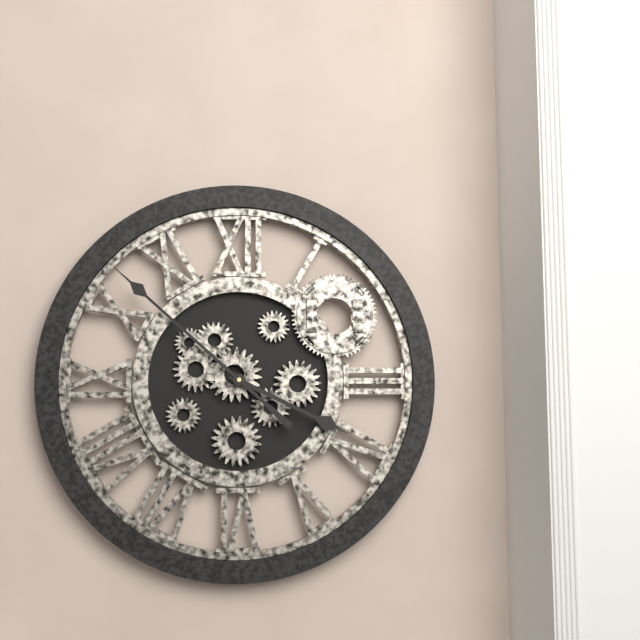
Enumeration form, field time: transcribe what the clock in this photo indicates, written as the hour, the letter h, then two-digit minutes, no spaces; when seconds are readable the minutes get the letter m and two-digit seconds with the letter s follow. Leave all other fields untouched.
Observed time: 3h52
